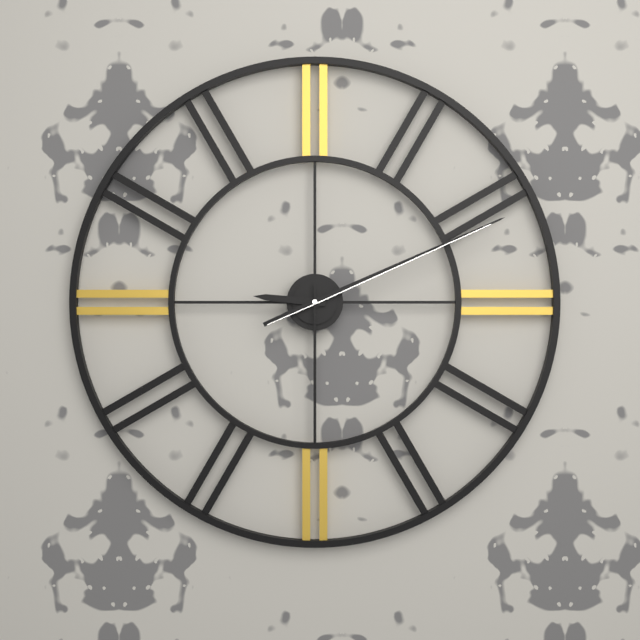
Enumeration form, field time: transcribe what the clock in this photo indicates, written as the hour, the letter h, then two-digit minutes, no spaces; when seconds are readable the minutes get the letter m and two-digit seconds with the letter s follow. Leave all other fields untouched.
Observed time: 9h11m30s
